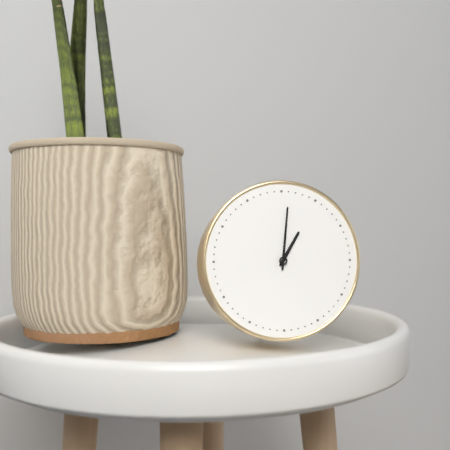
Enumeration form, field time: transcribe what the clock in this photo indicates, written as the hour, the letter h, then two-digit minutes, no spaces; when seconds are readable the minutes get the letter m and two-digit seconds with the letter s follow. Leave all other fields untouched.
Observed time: 1h01
